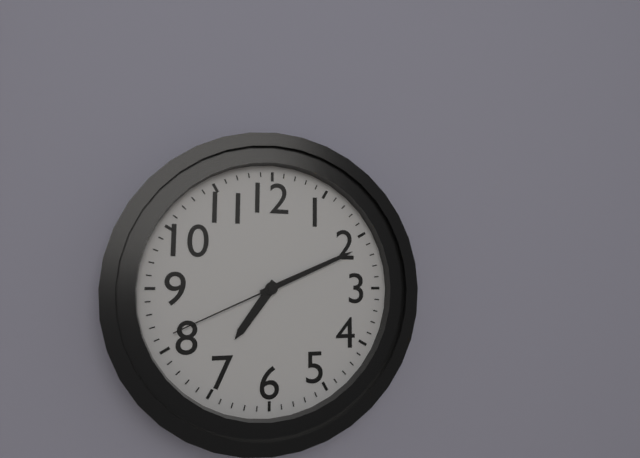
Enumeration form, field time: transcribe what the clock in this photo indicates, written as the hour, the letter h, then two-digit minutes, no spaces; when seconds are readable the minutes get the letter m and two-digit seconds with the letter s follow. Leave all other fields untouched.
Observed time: 7h11m41s
